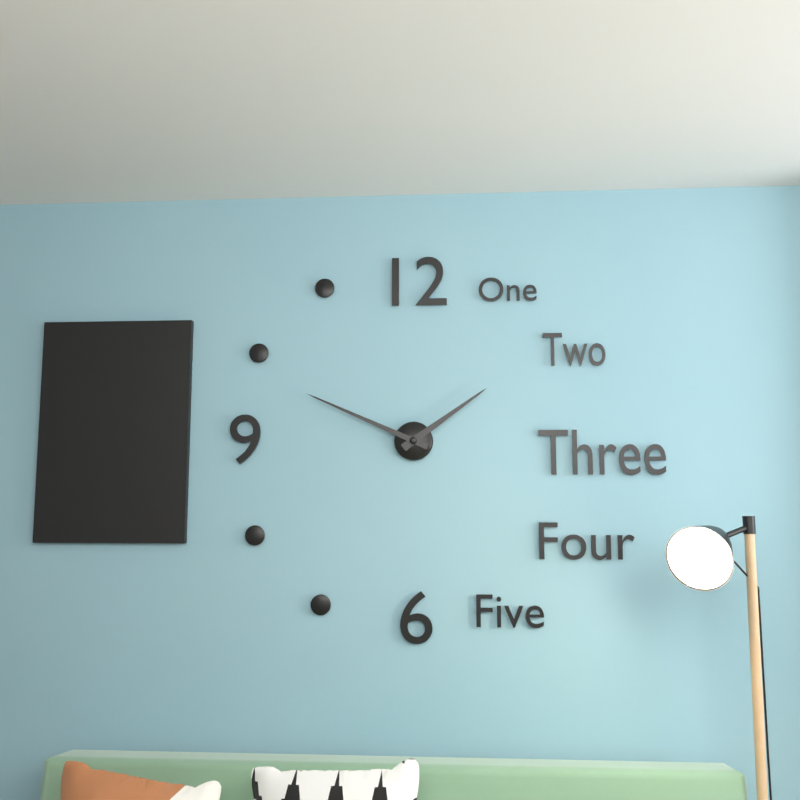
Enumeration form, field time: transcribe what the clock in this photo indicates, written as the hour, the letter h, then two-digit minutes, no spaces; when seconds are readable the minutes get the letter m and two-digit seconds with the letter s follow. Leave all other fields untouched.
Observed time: 1h49
